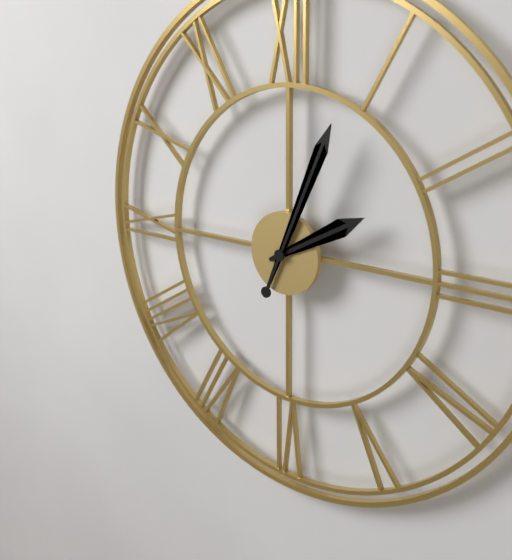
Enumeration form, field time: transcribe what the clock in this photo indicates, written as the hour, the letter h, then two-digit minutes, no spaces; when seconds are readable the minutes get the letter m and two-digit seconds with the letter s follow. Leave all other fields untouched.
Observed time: 2h04
